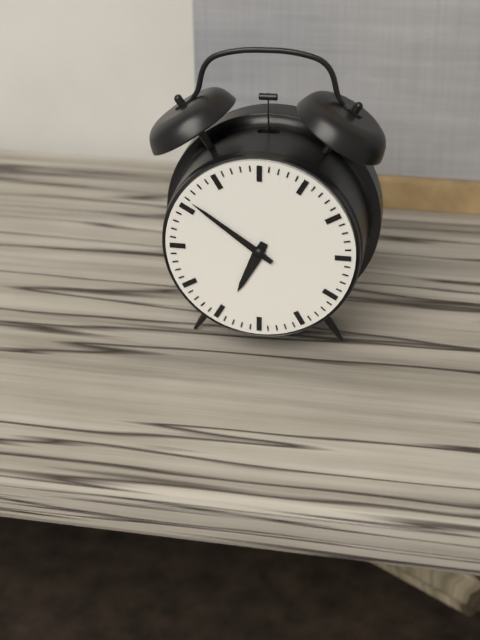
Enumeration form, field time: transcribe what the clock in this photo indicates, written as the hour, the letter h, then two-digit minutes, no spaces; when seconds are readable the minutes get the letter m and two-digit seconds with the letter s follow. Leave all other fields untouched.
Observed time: 6h51
